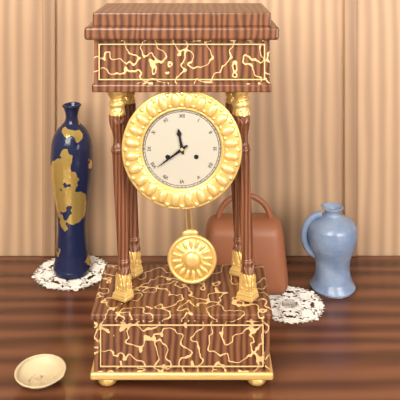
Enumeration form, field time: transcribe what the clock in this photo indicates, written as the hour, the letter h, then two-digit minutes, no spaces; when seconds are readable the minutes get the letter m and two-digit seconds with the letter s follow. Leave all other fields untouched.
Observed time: 11h39
